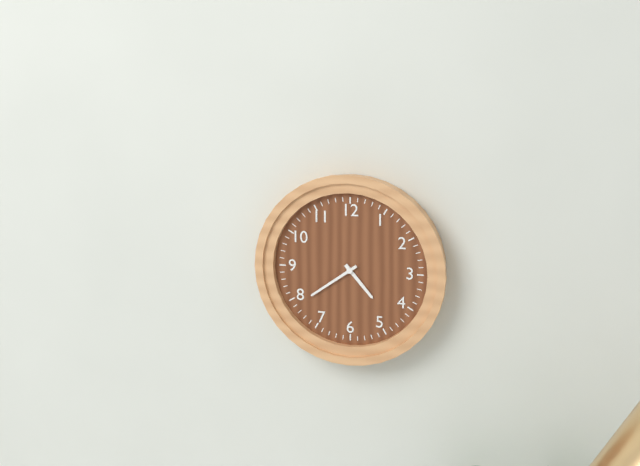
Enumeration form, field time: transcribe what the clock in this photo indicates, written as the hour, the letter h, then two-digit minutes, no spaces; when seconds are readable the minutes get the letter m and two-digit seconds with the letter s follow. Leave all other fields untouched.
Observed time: 4h39
